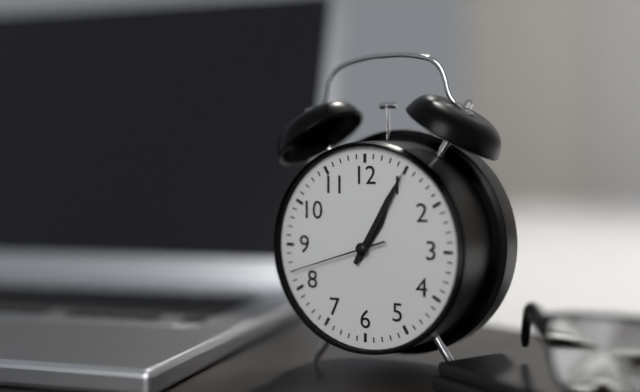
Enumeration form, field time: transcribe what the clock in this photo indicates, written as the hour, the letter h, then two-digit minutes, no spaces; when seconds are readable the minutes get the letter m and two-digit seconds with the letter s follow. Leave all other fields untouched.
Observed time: 1h05m42s
